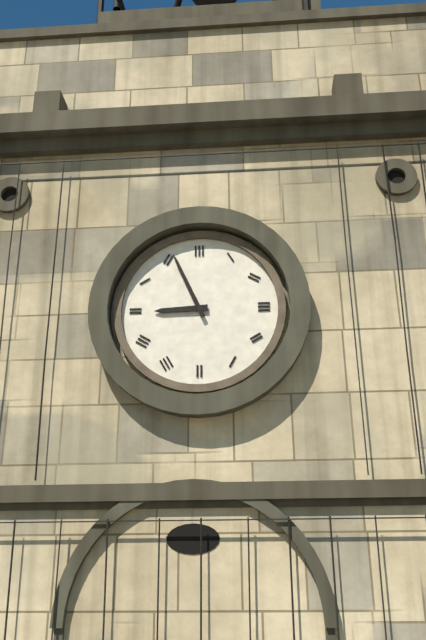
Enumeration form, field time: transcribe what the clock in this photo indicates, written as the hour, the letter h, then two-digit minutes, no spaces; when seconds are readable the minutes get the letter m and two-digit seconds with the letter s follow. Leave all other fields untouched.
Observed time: 8h56
